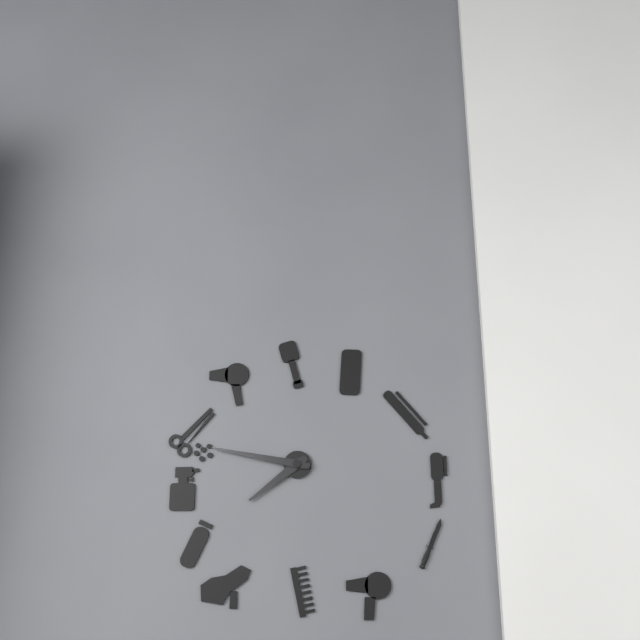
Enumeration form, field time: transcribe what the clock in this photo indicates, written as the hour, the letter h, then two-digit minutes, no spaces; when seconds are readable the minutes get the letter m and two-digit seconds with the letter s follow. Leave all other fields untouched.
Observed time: 7h47
